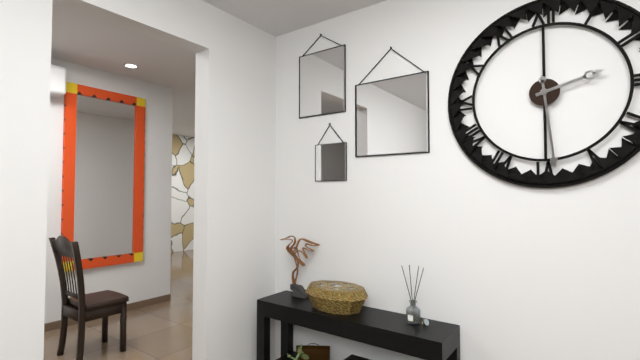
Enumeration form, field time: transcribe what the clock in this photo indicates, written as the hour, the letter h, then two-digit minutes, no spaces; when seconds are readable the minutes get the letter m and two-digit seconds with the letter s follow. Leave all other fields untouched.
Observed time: 2h29
